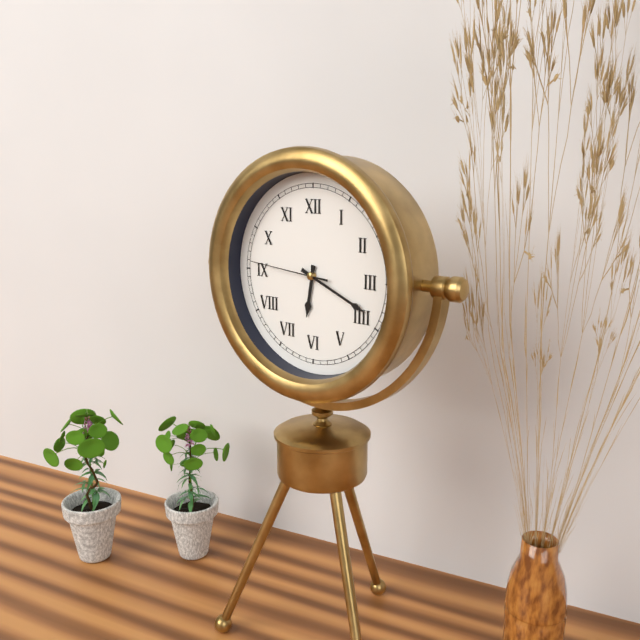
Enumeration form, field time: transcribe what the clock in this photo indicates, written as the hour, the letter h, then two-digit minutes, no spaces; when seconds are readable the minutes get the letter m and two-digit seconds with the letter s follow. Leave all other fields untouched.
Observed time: 6h19m46s
